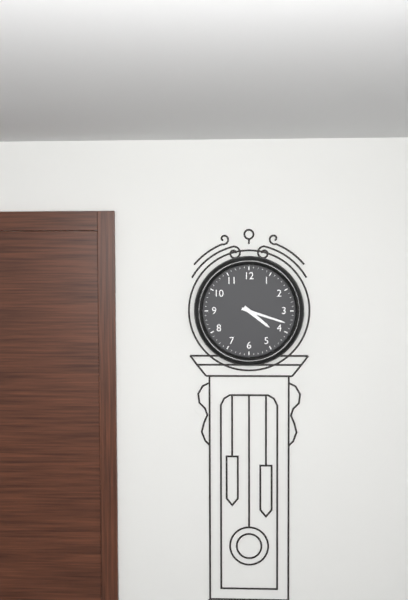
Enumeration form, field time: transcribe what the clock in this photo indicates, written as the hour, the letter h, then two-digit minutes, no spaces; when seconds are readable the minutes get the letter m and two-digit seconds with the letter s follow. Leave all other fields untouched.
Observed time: 4h18
